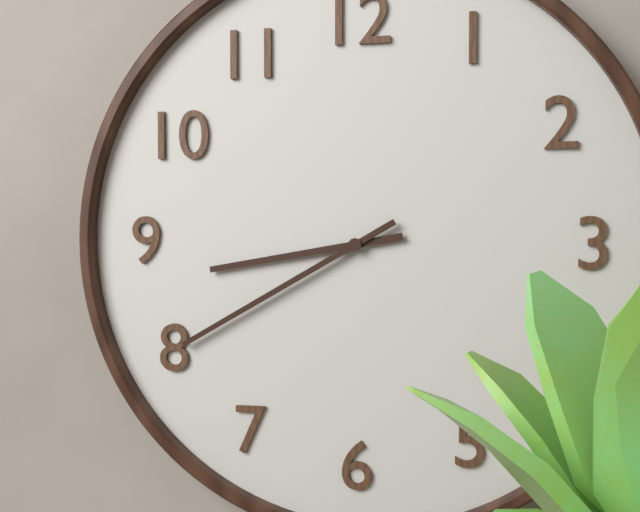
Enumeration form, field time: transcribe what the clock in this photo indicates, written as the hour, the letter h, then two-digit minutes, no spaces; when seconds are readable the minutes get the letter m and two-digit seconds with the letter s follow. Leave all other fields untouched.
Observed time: 8h40
